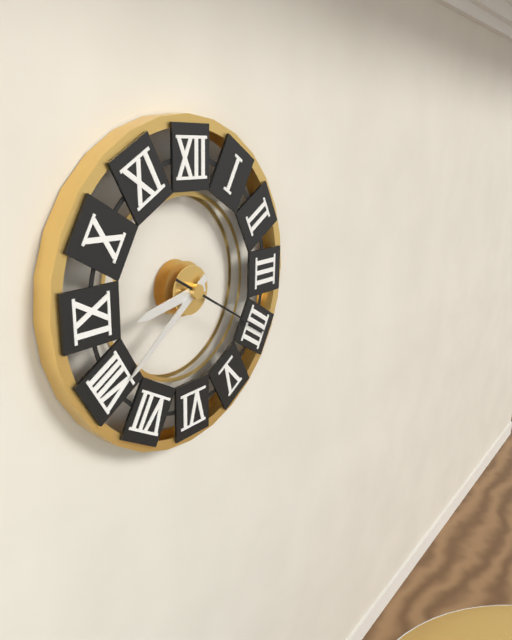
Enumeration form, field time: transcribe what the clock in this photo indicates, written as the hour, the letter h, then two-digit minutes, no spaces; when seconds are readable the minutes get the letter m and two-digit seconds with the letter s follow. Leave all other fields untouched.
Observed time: 8h39m20s
